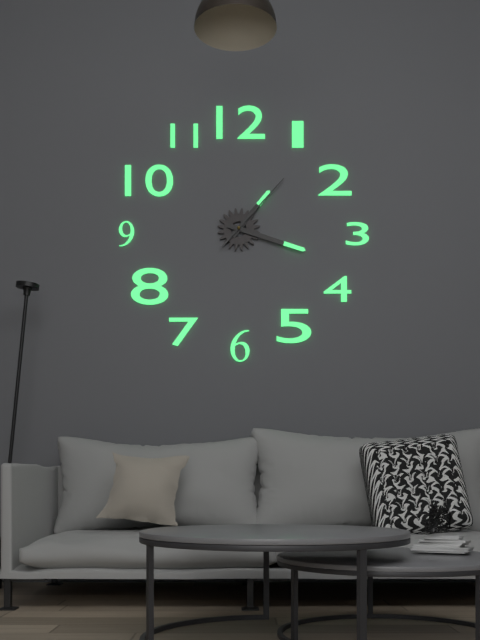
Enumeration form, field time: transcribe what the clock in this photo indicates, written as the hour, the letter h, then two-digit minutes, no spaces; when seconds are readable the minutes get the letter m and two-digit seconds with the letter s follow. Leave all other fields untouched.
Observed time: 1h18m07s
